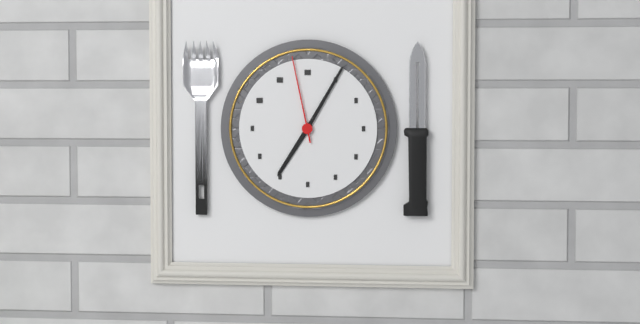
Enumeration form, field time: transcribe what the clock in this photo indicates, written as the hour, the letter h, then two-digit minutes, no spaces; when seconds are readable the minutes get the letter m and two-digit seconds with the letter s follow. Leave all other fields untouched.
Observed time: 7h05m58s
